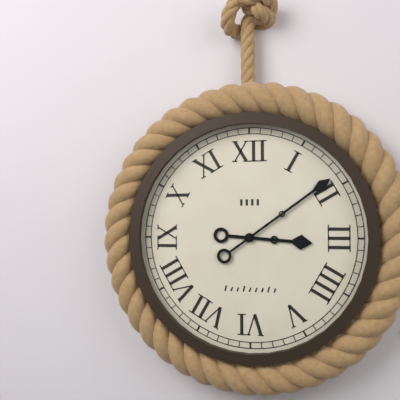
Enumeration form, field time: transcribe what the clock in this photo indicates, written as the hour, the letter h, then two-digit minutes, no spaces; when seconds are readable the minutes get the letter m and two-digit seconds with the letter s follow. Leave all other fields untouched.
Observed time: 3h09
